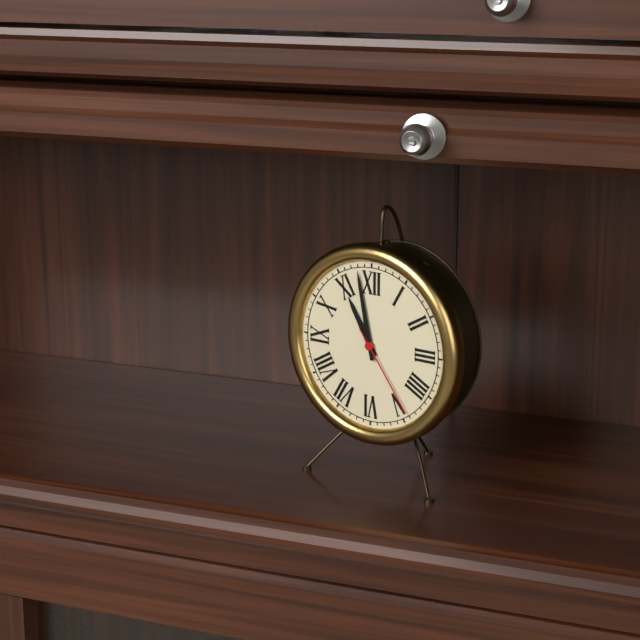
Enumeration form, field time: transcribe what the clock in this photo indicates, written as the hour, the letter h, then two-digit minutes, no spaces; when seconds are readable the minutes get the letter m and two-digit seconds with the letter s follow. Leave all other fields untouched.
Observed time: 10h58m24s
